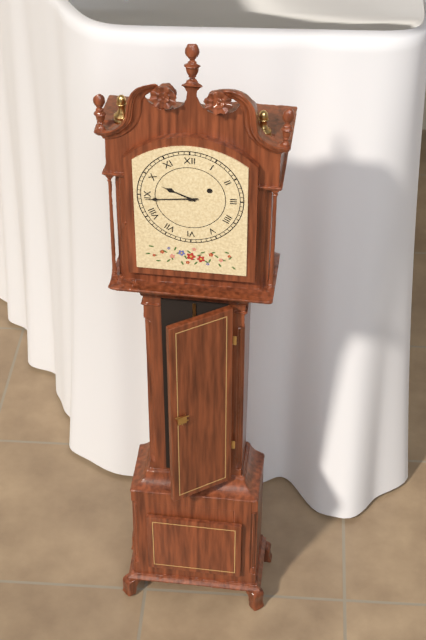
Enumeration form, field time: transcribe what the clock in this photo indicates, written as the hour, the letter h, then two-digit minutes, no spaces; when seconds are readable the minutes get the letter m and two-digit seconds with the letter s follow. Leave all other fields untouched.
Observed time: 9h44
